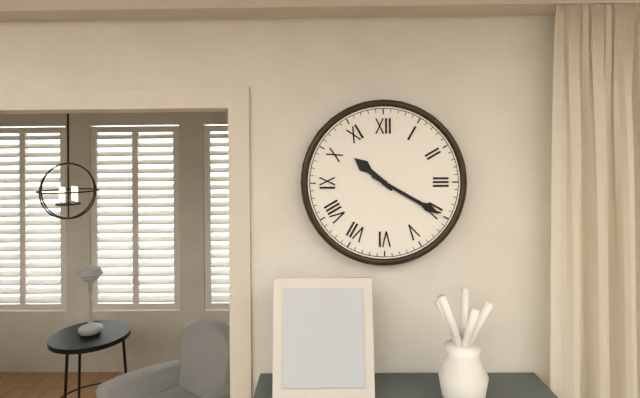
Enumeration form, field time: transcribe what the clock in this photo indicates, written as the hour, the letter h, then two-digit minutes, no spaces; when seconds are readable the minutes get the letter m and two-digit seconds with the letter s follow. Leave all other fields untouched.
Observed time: 10h20
